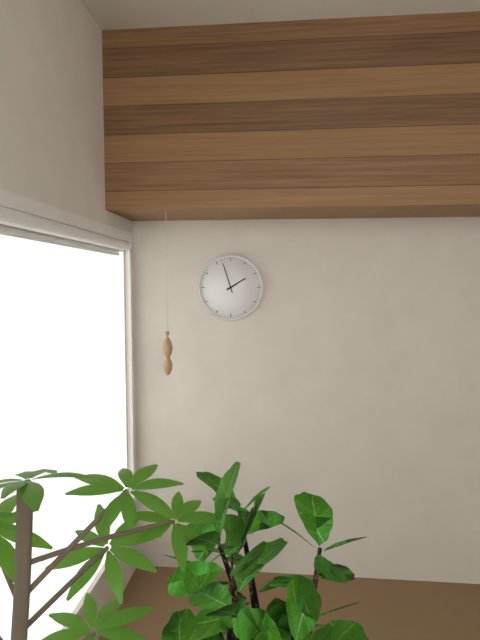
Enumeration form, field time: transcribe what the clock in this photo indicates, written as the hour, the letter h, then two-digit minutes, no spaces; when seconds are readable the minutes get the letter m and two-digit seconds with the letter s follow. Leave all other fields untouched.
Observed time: 1h57
